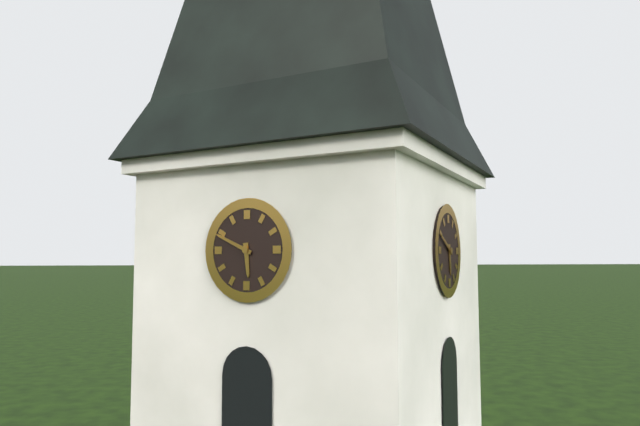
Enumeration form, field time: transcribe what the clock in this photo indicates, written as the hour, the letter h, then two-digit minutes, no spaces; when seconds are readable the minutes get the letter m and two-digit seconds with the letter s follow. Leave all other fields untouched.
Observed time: 5h49
